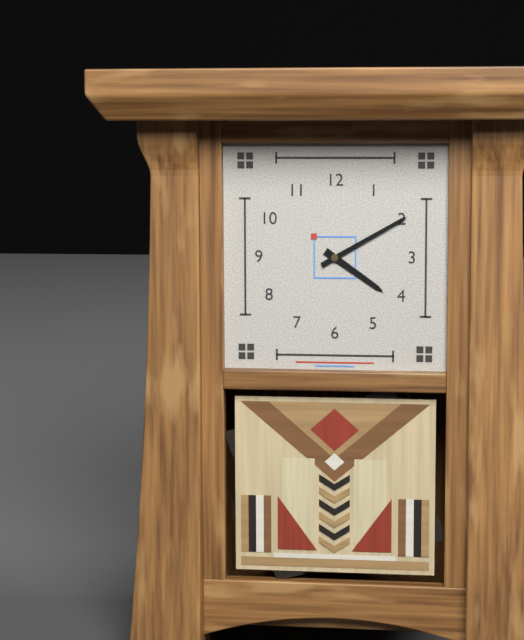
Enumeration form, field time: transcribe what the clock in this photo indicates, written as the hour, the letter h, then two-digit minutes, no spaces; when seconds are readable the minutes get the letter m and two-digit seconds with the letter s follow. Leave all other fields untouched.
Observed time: 4h10
